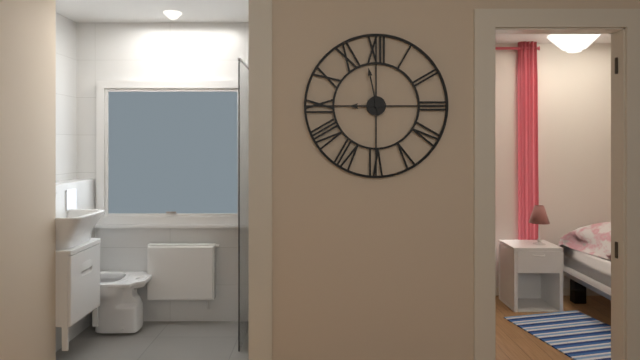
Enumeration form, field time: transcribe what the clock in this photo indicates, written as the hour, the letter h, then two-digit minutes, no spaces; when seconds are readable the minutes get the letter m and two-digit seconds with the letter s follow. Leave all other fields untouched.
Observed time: 8h58
